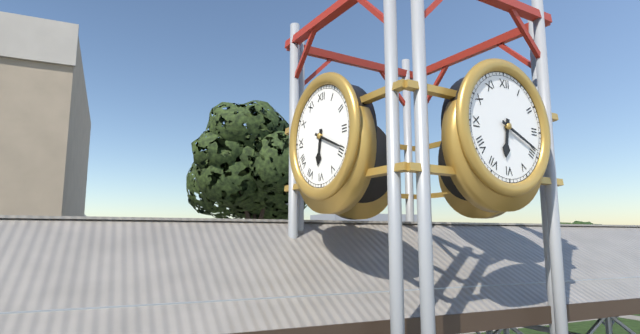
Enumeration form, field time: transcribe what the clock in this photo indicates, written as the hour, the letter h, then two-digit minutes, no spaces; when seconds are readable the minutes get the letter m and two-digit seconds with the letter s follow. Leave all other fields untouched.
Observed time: 6h19
